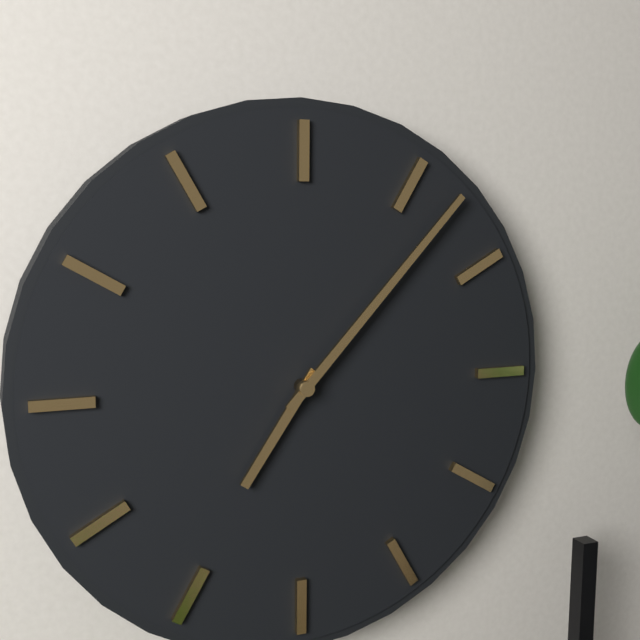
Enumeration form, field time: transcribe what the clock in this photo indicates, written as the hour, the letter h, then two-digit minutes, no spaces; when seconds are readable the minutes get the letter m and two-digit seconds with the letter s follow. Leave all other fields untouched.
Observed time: 7h07
